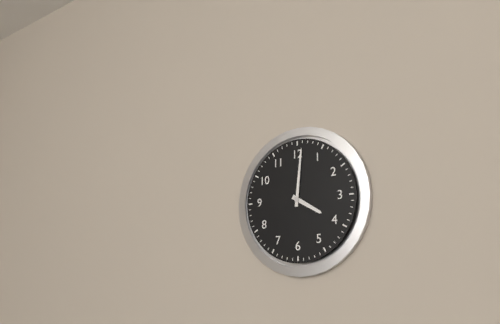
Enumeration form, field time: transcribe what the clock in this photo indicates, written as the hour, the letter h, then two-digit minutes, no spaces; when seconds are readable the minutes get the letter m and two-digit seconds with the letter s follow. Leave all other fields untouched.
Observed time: 4h01
